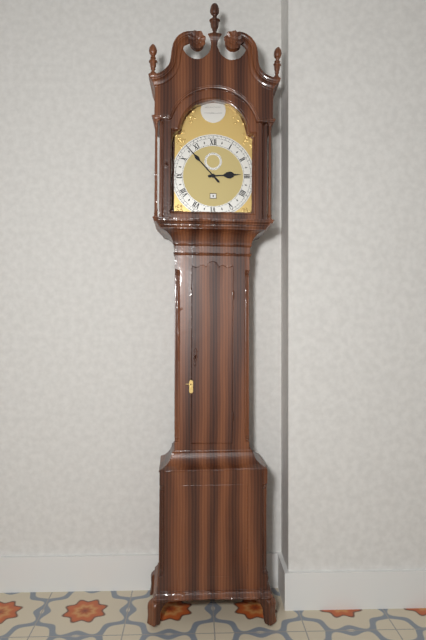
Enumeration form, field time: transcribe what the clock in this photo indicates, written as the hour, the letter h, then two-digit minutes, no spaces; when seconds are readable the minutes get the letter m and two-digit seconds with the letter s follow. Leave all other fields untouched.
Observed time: 2h53
